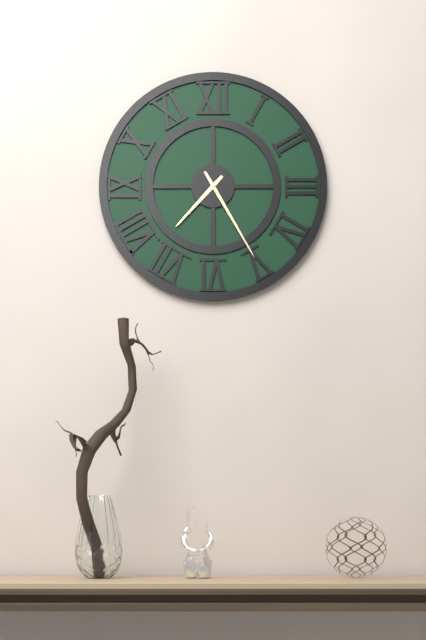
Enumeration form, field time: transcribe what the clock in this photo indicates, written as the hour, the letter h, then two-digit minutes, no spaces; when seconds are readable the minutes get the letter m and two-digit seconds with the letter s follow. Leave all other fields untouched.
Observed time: 7h25
